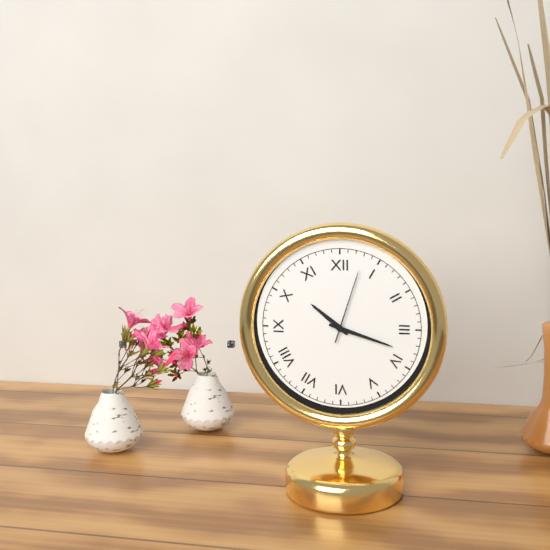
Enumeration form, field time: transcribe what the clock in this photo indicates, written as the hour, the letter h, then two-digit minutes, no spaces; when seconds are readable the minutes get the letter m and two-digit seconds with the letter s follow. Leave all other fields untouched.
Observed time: 10h18m03s
